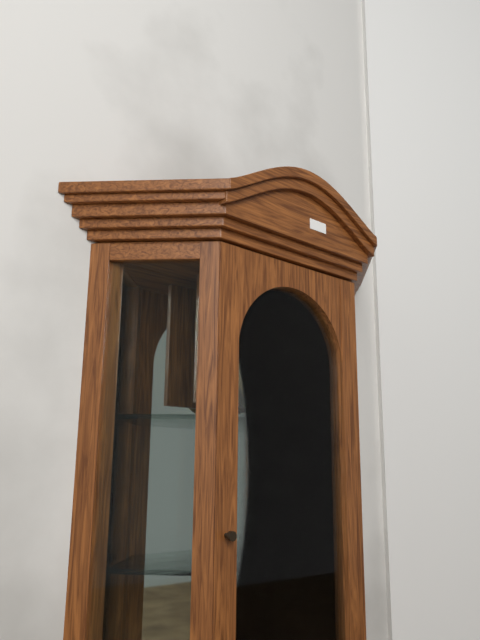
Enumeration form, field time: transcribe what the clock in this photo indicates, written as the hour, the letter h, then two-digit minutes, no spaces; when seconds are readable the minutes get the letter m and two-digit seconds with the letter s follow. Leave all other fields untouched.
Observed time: 11h28
